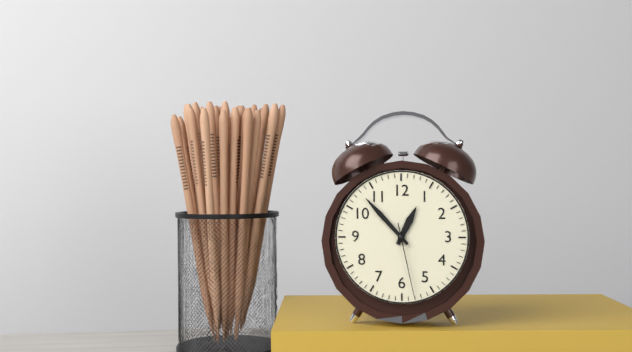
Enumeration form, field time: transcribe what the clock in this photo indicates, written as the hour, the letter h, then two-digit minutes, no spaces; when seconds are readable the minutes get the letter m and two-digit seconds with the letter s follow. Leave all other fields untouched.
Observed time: 12h53m28s
